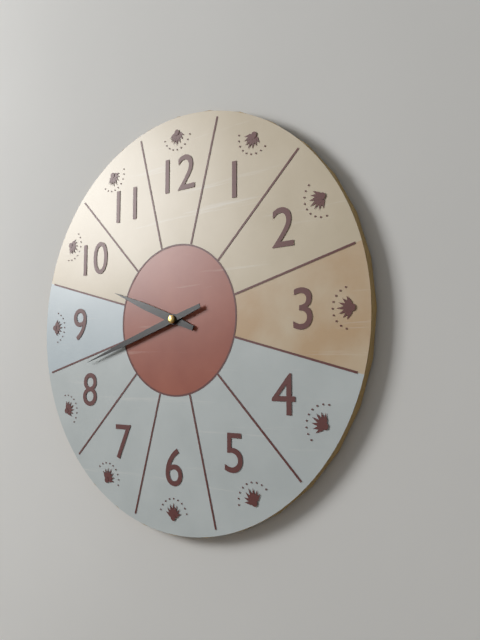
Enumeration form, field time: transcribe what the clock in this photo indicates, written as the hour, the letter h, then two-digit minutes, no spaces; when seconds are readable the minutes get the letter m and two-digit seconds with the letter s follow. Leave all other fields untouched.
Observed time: 9h42
